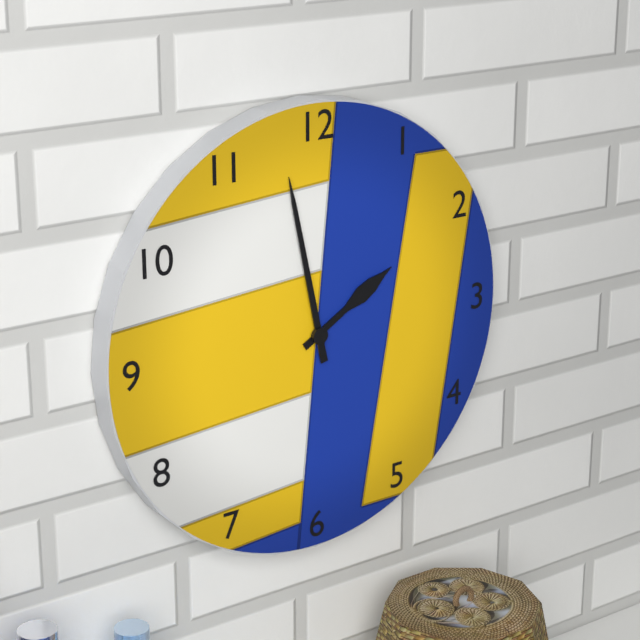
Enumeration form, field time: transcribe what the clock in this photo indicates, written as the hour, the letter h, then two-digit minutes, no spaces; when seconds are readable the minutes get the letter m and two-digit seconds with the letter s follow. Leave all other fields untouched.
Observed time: 1h58
